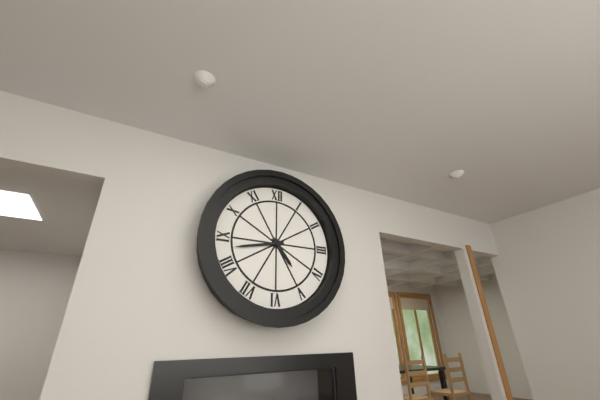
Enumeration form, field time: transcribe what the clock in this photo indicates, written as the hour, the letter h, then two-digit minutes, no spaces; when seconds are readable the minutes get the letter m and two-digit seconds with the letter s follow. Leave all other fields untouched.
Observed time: 4h43
